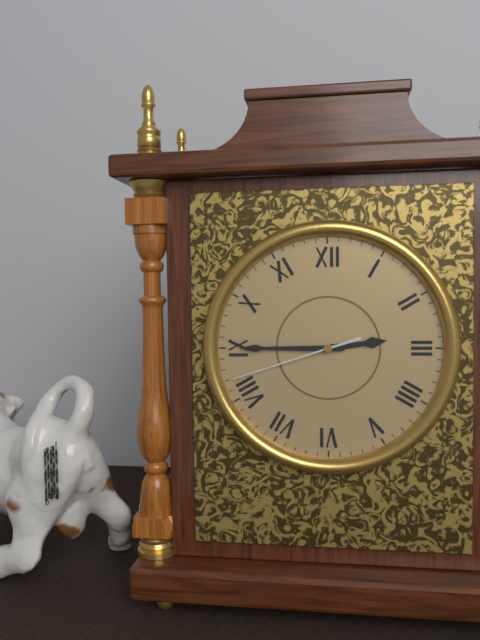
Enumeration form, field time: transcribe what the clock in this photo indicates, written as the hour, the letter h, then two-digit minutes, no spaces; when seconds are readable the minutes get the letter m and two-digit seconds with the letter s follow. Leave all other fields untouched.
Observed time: 2h45m42s
